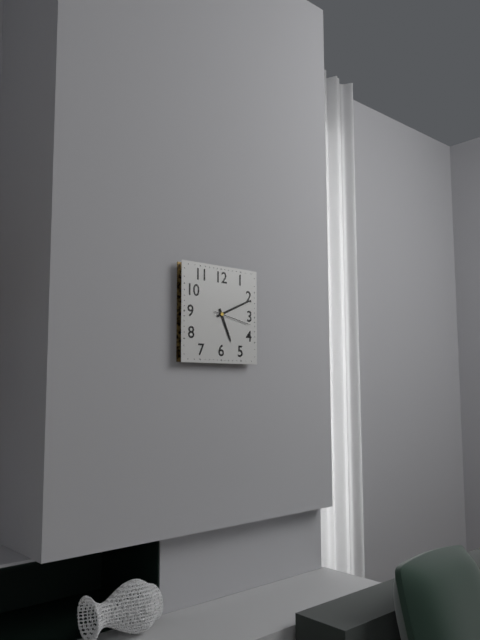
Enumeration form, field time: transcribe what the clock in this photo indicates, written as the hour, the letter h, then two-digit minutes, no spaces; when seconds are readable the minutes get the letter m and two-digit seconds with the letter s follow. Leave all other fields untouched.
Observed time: 5h11
